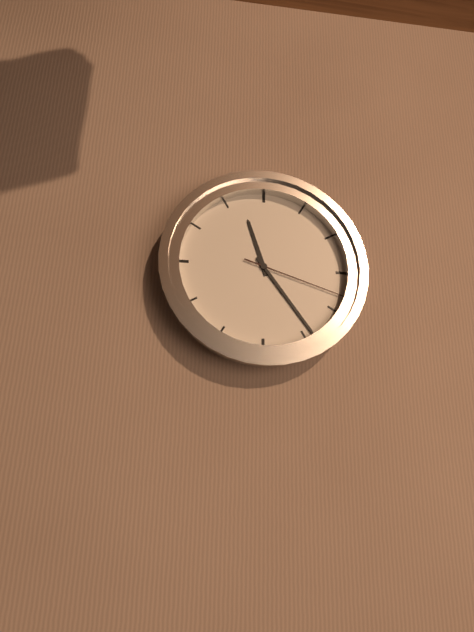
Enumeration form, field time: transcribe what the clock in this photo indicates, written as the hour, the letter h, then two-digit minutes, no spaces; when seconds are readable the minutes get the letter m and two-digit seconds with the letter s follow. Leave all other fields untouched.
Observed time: 11h24m18s
